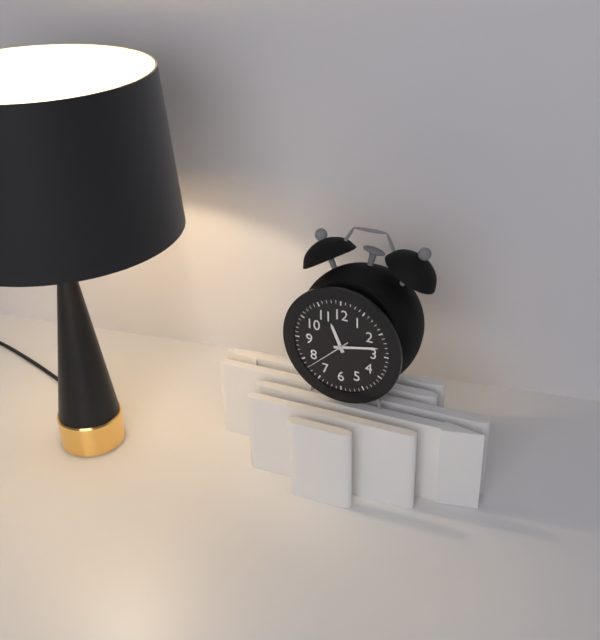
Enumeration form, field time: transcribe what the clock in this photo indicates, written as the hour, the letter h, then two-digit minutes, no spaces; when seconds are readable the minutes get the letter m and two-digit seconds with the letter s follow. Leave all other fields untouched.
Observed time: 11h13
